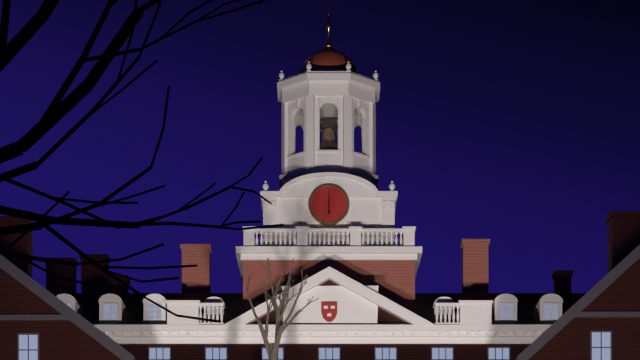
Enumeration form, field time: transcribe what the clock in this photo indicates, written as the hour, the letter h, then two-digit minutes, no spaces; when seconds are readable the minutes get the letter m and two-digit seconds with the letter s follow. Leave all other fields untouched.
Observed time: 6h00
